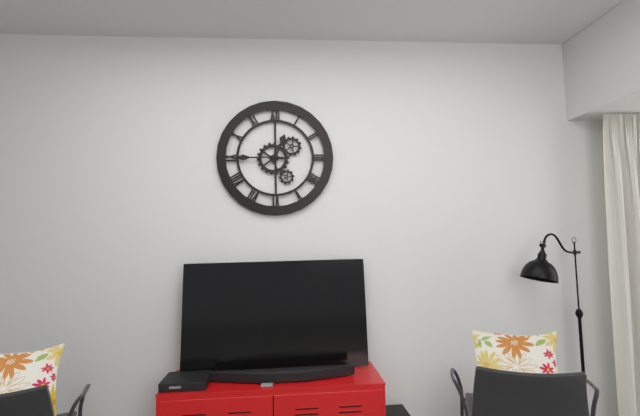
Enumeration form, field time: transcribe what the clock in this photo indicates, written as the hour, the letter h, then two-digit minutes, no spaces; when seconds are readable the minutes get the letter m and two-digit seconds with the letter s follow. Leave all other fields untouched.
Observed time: 12h45
